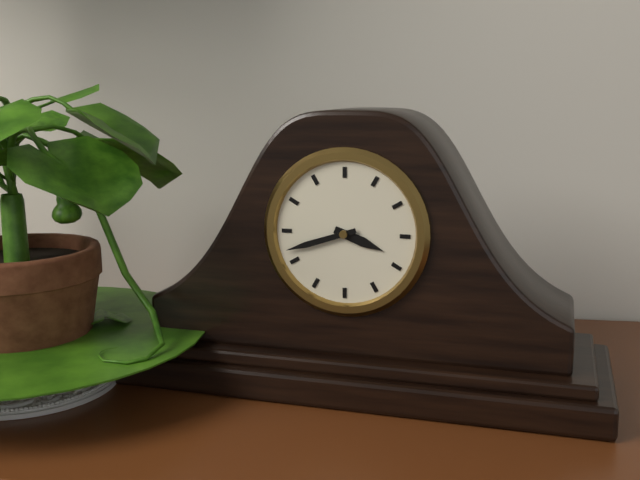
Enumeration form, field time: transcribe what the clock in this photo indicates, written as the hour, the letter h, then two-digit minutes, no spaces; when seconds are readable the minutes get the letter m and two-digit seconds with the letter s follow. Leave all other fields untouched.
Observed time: 3h42
